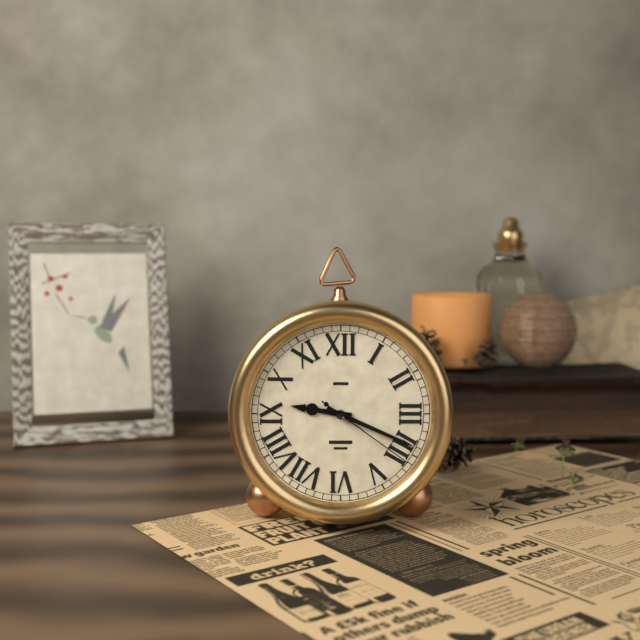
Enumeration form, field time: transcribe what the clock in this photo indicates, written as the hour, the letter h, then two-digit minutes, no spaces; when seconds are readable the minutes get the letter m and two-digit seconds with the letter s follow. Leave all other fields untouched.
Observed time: 9h19m21s
